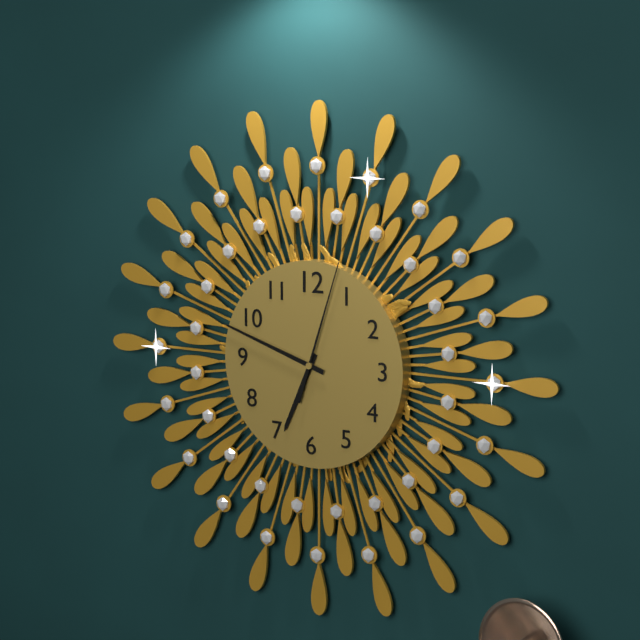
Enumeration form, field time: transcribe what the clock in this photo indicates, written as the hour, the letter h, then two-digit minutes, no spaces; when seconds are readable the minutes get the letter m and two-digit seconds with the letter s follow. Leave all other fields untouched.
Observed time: 6h48m03s
